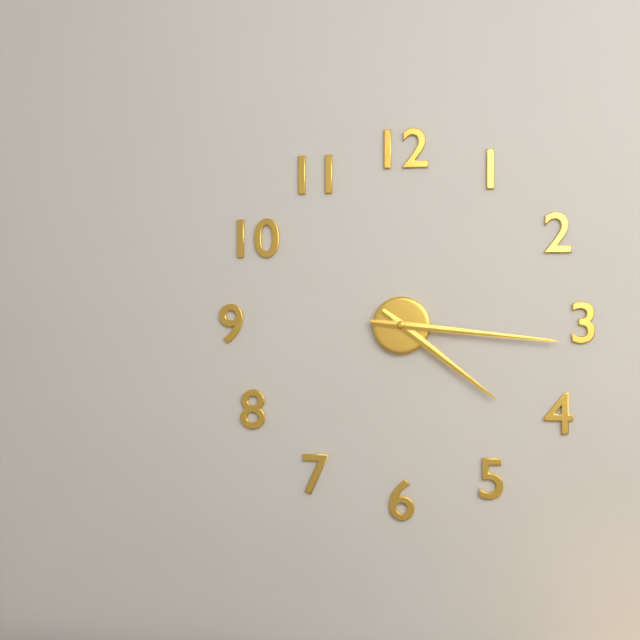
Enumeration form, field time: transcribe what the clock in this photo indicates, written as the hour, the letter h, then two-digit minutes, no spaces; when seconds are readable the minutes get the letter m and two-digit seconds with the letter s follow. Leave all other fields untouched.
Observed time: 4h16
